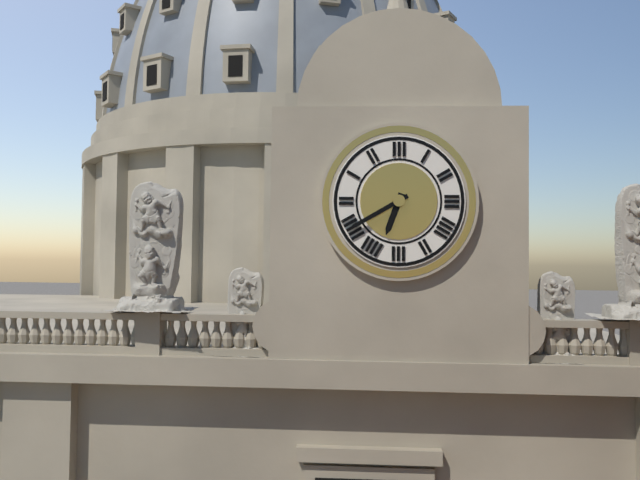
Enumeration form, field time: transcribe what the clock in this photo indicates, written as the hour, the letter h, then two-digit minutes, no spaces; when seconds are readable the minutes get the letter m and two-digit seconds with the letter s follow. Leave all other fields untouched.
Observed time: 6h40
